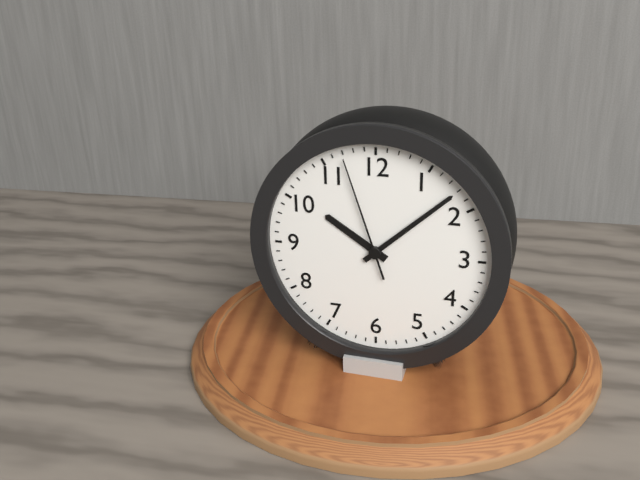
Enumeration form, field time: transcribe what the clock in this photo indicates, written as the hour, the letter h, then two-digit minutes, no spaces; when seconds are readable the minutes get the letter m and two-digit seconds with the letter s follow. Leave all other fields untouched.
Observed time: 10h08m57s
